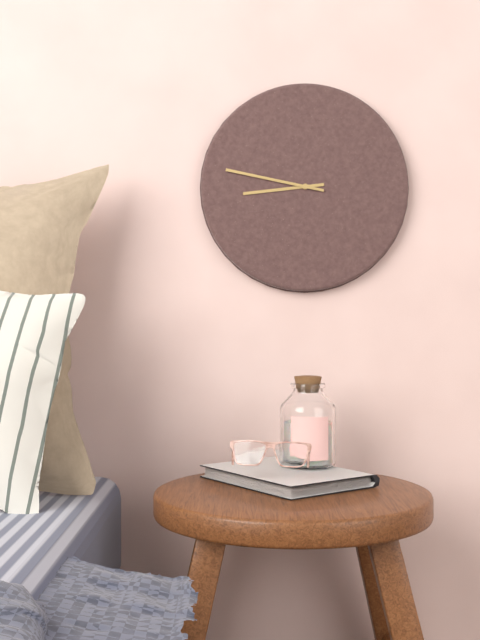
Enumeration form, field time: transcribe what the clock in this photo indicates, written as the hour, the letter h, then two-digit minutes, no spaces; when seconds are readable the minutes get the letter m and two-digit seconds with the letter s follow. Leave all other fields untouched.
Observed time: 8h47
